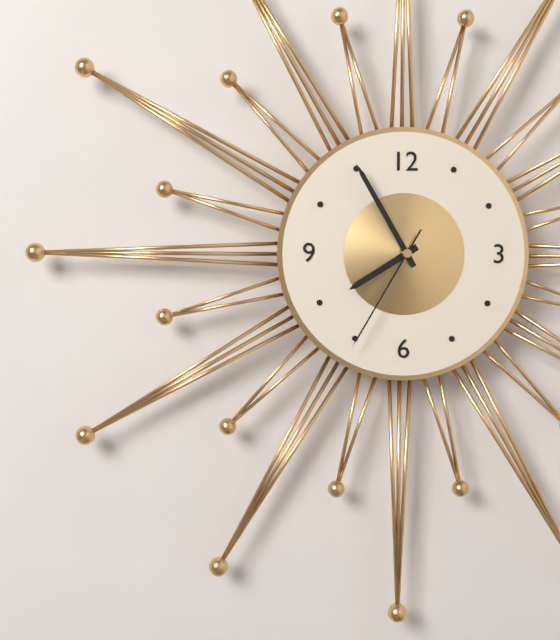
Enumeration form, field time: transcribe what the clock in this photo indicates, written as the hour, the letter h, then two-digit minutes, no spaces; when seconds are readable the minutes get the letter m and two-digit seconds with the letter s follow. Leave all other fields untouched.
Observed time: 7h55m35s
